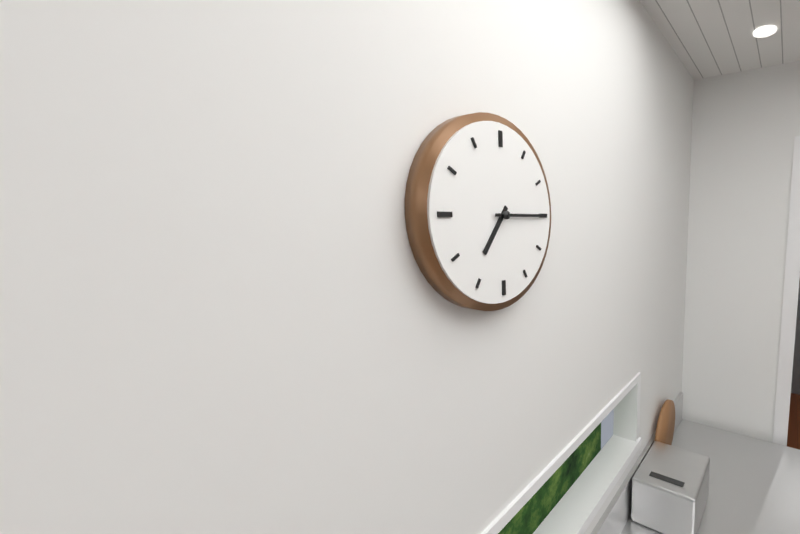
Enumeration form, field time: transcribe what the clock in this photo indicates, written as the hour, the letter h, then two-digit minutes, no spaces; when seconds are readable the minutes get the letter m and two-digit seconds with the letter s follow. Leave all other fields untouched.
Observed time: 7h15
